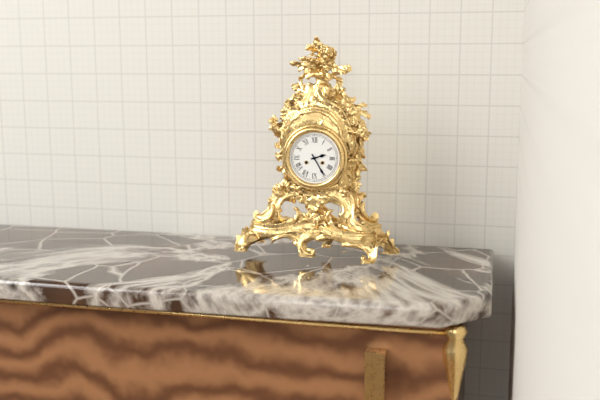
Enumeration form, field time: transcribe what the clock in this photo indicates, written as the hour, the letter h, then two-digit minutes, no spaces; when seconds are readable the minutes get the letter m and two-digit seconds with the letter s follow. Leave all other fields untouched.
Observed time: 2h25
